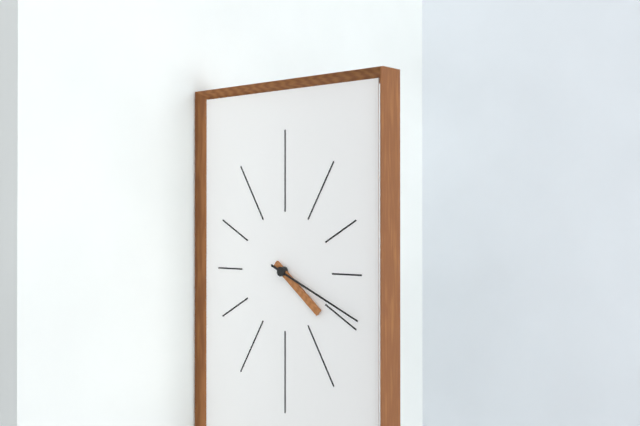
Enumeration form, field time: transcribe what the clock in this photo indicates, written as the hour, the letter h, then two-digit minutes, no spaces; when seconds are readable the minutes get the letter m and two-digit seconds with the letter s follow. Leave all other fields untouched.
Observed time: 4h19
